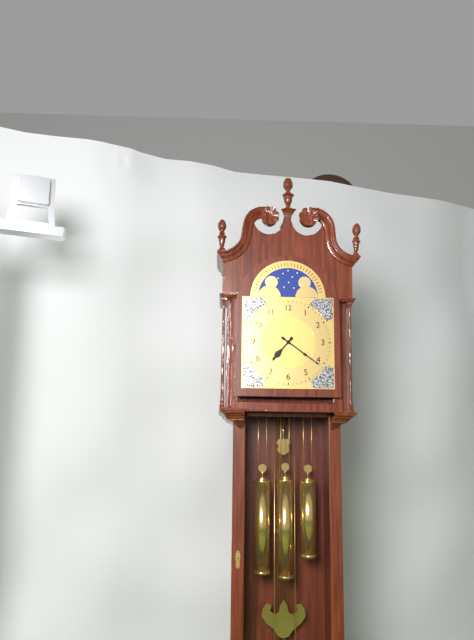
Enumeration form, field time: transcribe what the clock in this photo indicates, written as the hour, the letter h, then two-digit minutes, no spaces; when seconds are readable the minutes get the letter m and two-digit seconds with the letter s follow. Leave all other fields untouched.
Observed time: 7h21
